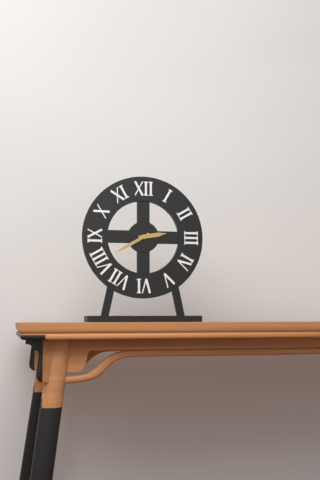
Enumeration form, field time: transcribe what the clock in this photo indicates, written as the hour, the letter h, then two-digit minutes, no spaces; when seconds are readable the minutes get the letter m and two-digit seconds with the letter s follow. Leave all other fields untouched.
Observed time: 2h40
